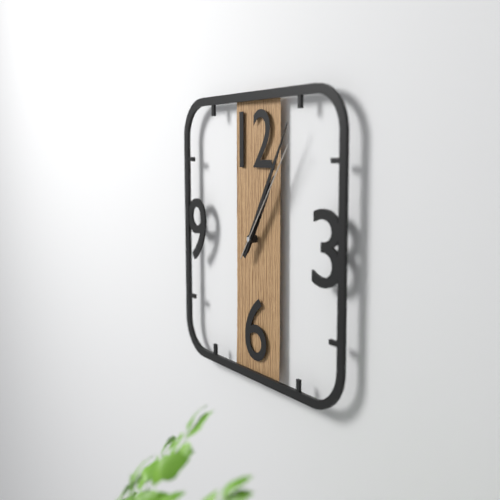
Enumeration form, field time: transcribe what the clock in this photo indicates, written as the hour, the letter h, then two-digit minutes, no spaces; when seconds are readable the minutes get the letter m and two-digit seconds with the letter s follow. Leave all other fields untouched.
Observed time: 1h05m06s
